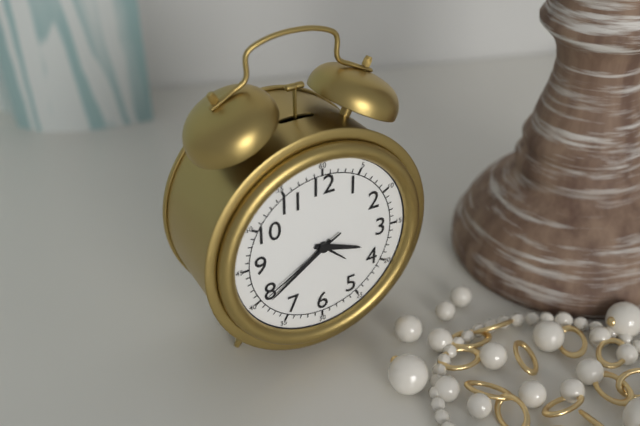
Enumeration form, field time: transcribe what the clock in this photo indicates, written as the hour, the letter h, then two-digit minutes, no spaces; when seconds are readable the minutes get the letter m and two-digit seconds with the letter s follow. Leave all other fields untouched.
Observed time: 3h39m40s
